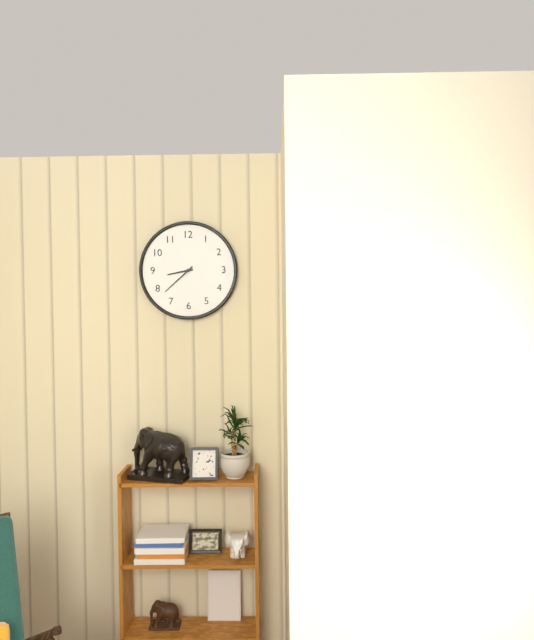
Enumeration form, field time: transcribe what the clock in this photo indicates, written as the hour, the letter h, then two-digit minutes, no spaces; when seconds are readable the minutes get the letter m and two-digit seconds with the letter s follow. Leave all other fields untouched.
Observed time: 8h38
